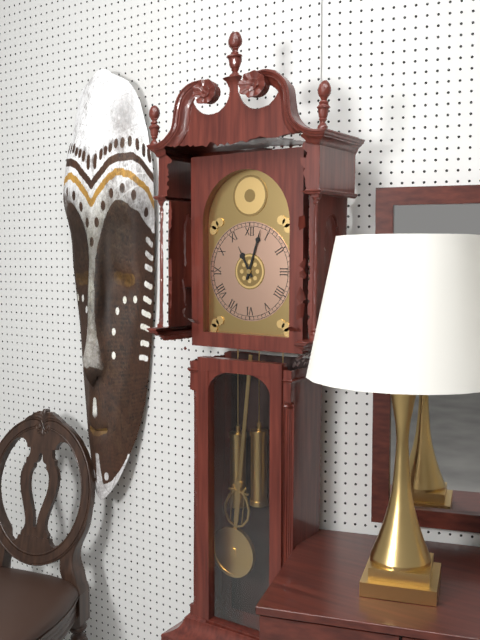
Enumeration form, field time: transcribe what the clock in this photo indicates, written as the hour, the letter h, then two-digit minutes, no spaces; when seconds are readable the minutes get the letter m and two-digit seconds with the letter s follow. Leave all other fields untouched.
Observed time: 11h03
